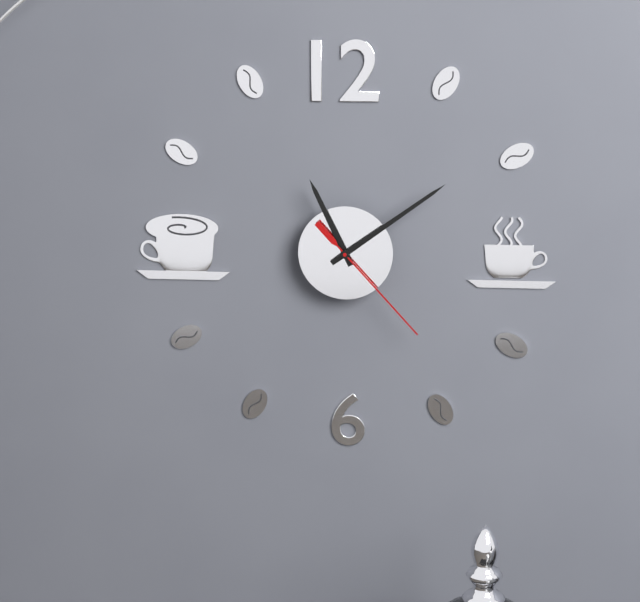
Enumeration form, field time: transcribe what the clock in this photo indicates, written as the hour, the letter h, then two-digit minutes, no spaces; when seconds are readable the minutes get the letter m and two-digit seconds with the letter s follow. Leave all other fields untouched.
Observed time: 11h09m23s
